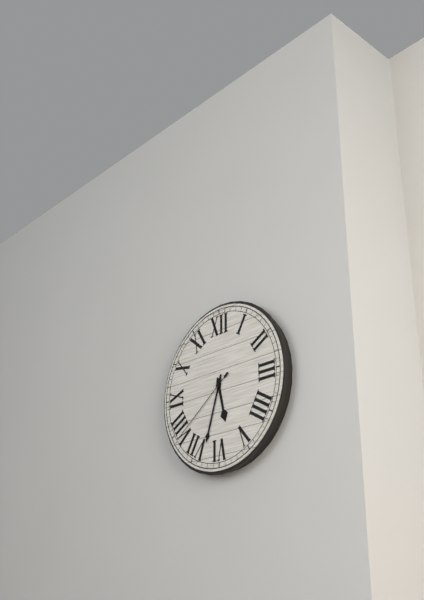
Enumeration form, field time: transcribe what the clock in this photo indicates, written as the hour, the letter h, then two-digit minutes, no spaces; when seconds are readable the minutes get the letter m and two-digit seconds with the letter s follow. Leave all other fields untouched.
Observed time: 5h33m39s
